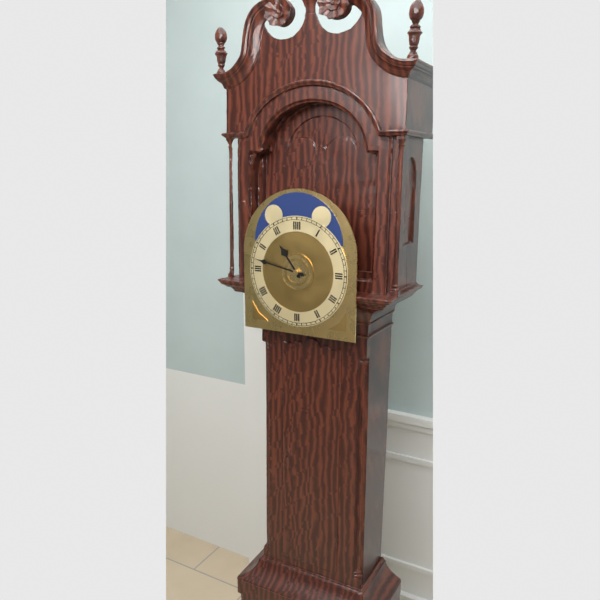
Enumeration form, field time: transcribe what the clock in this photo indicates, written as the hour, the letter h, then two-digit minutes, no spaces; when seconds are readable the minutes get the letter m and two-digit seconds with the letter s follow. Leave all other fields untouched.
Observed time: 10h47
